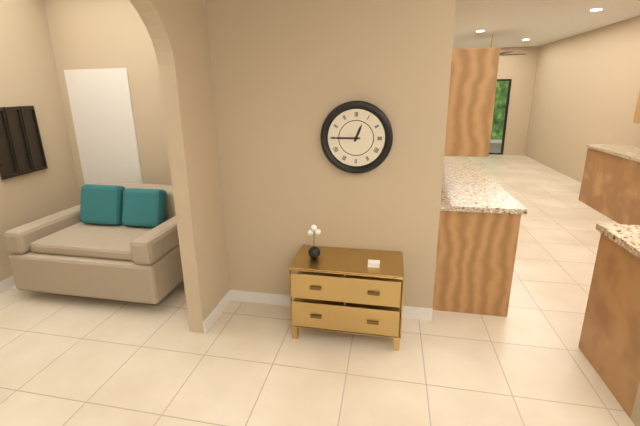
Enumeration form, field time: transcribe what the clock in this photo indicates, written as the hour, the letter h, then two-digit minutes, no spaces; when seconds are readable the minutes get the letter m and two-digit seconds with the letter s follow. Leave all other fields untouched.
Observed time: 12h45
